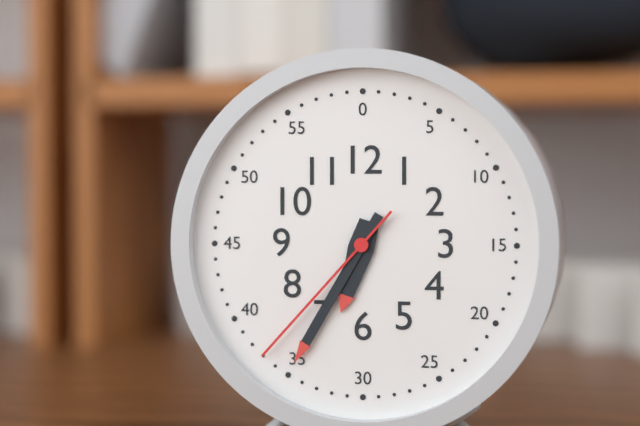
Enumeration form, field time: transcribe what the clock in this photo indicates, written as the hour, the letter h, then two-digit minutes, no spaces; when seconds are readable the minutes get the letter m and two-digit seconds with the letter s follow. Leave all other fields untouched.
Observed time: 6h35m37s
